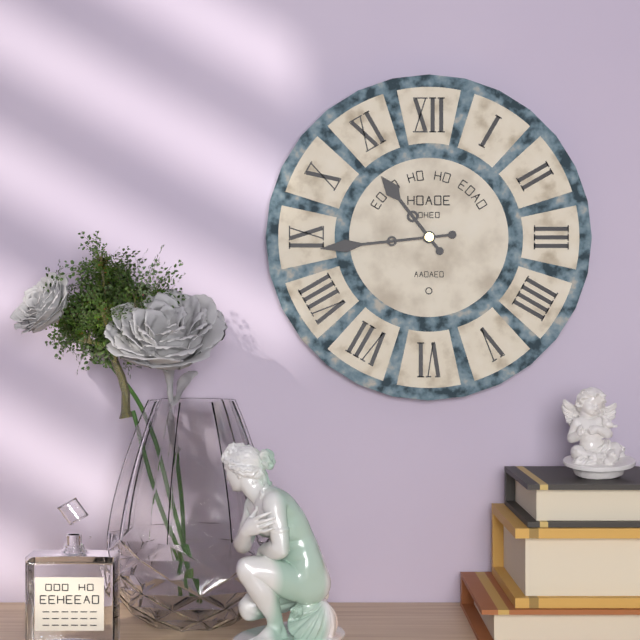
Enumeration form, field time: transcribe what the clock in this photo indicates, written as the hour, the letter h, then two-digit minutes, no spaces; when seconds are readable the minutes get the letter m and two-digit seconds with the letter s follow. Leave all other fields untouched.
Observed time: 10h44
